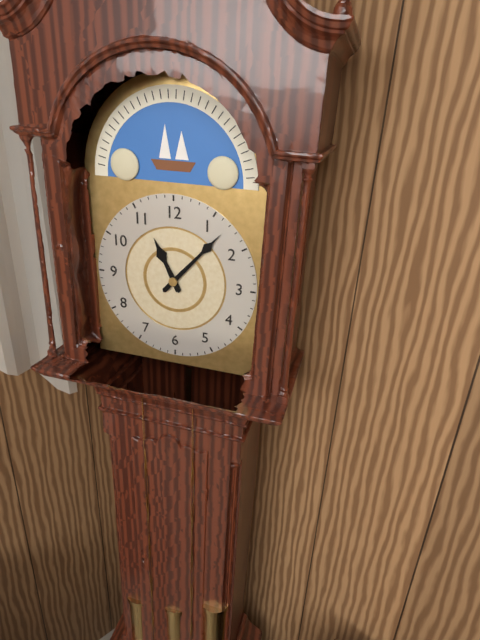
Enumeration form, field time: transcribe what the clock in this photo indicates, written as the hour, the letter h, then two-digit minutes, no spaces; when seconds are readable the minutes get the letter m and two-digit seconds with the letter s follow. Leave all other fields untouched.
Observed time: 11h07
